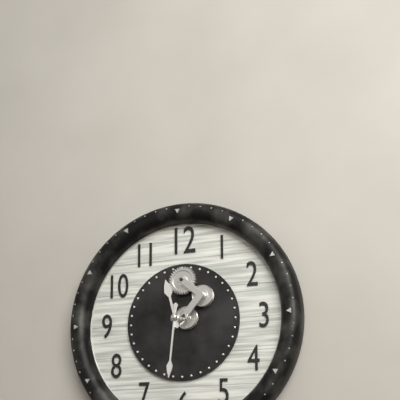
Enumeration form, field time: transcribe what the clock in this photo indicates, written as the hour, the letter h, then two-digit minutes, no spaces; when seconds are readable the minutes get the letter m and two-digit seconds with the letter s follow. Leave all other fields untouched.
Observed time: 11h31
